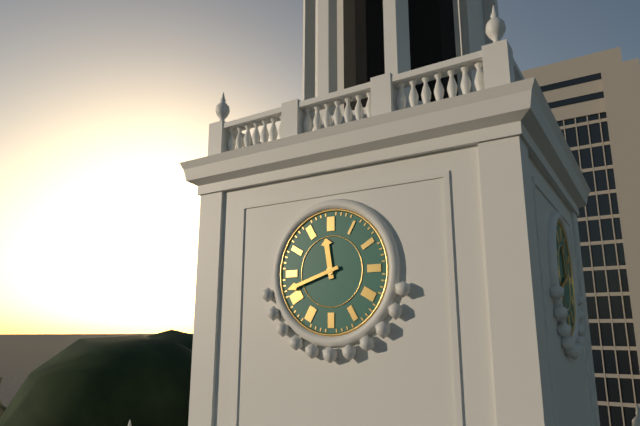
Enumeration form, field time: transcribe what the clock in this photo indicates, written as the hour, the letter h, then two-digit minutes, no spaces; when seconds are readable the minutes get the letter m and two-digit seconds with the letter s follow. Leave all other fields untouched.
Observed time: 11h42
